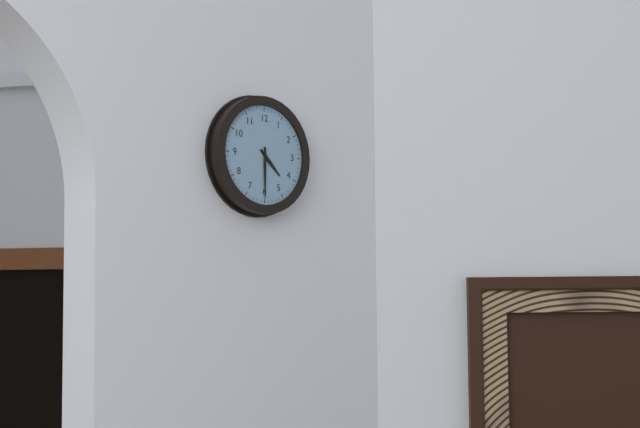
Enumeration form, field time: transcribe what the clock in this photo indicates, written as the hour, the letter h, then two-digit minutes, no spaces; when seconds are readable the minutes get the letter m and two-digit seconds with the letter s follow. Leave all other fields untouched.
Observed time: 4h30
